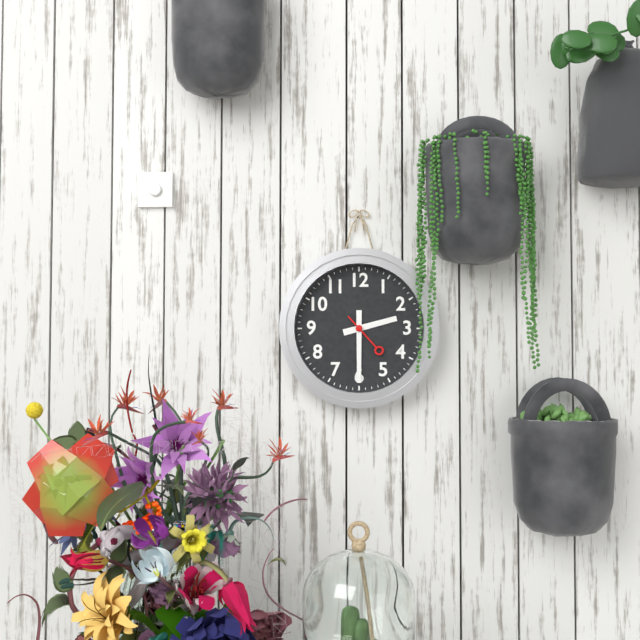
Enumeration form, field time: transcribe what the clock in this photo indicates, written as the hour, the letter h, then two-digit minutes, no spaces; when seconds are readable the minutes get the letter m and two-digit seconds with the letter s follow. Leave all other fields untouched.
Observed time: 2h30
